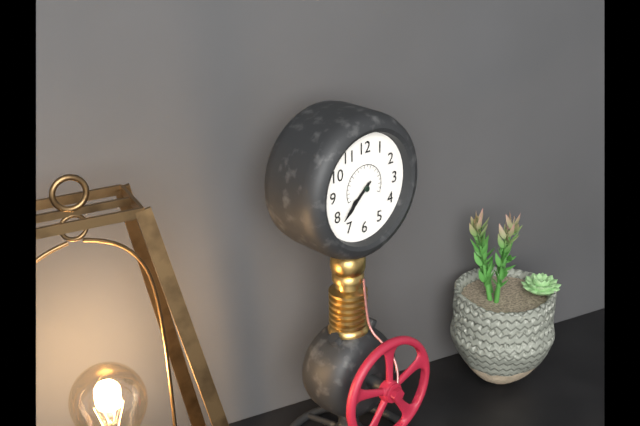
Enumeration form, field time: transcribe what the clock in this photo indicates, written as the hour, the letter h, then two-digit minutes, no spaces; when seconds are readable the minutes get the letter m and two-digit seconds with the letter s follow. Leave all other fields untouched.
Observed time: 7h38
